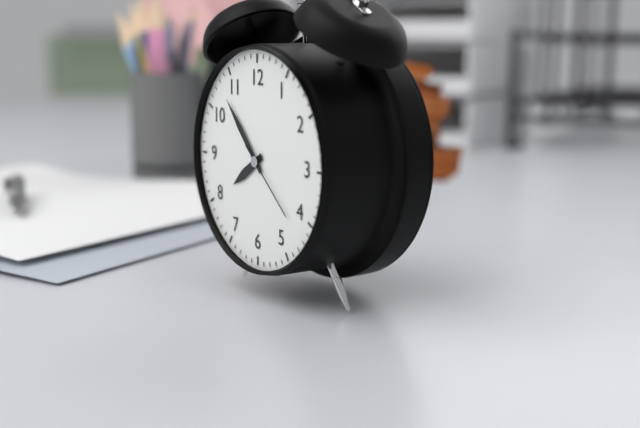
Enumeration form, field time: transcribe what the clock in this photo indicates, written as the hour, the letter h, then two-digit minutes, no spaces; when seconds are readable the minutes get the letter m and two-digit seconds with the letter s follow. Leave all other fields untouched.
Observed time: 7h53m22s
